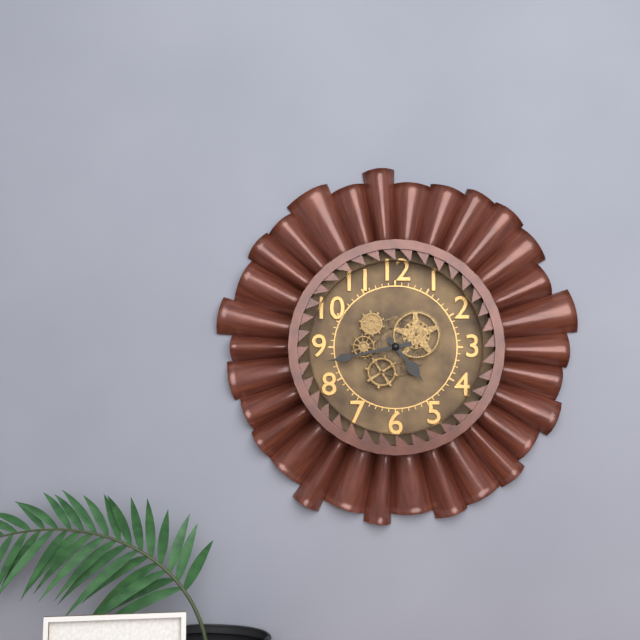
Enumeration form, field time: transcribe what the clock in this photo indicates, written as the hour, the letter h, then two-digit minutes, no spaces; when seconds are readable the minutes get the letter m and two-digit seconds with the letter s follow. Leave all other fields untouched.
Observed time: 4h43
